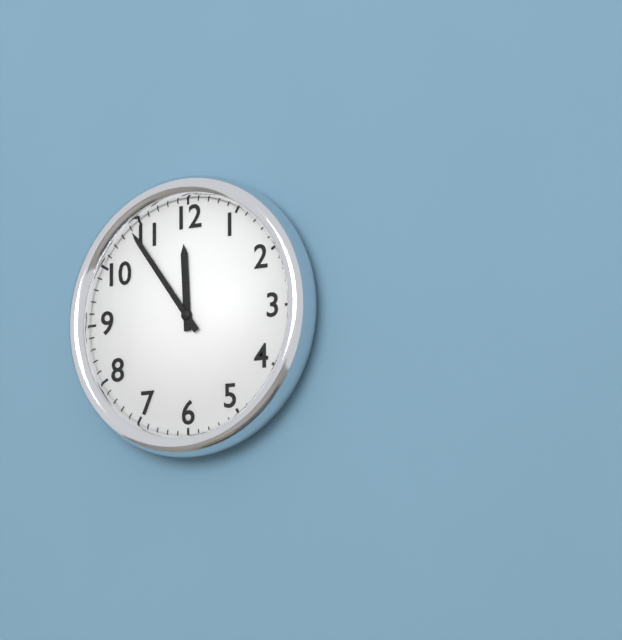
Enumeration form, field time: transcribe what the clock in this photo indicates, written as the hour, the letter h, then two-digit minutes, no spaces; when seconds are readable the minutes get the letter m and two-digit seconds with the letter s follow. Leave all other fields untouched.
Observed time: 11h54
